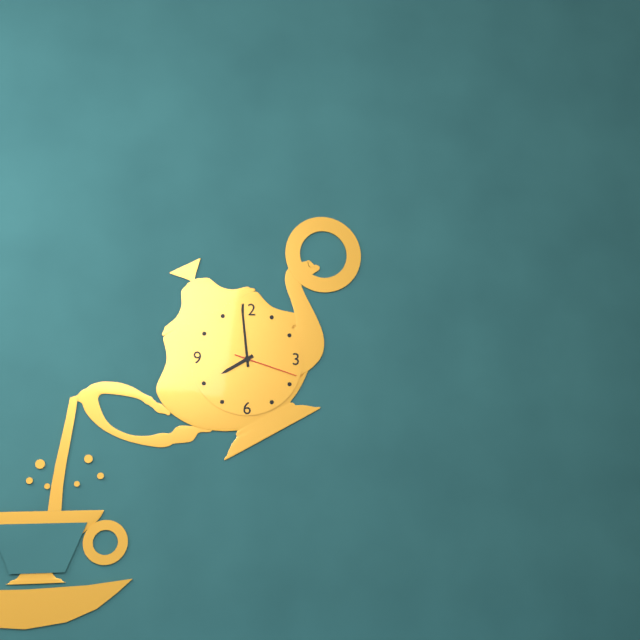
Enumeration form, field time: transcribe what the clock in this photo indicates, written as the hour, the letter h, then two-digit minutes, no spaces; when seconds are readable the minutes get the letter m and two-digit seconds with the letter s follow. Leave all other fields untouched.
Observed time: 7h59m18s
